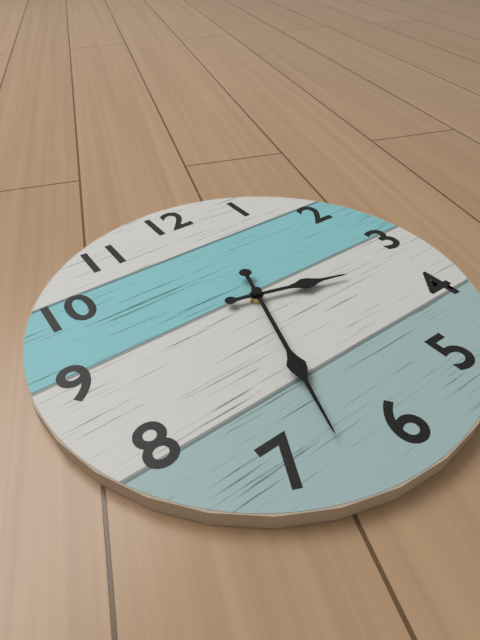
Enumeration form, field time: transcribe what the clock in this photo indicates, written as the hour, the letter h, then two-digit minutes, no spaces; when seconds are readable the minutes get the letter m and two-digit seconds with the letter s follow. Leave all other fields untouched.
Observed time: 3h33
